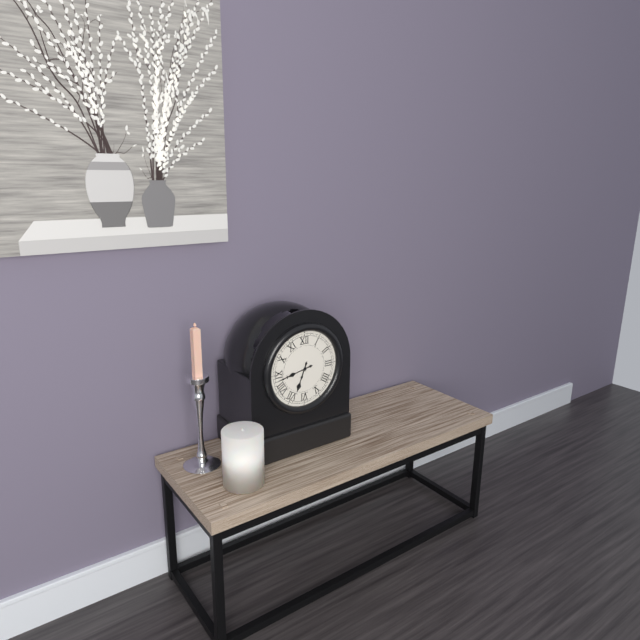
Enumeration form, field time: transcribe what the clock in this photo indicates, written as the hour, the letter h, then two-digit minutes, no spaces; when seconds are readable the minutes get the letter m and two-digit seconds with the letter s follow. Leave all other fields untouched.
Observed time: 6h43
